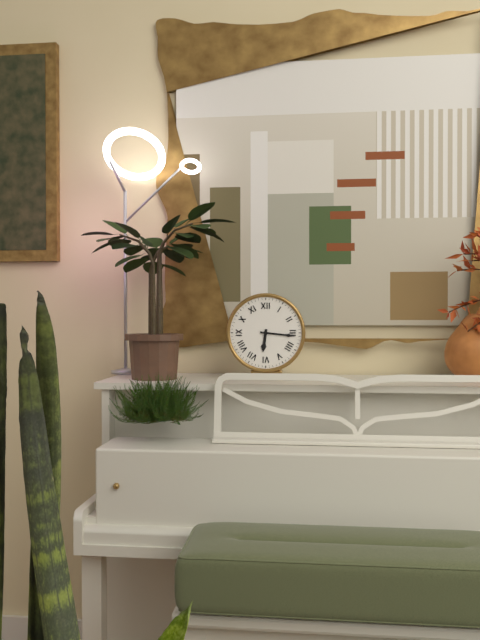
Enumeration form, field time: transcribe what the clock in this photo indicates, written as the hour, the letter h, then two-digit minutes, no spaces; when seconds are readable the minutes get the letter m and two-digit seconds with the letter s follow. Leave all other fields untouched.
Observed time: 6h16
